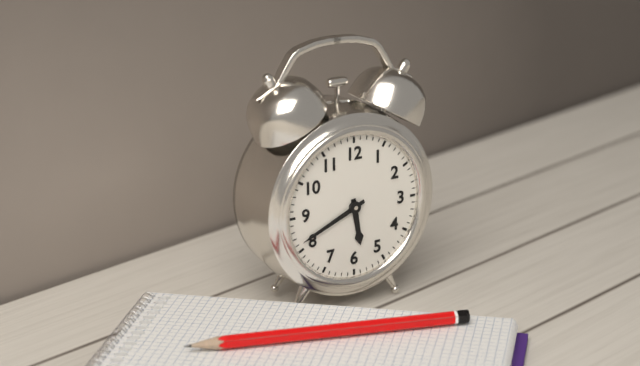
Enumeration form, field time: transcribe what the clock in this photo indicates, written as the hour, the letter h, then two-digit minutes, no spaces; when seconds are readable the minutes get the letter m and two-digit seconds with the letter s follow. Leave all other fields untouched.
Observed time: 5h41
